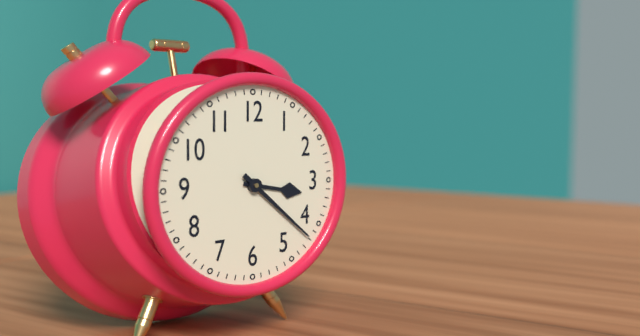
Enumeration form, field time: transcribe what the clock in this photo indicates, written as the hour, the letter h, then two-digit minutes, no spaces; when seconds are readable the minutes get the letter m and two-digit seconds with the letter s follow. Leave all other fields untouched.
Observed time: 3h22
